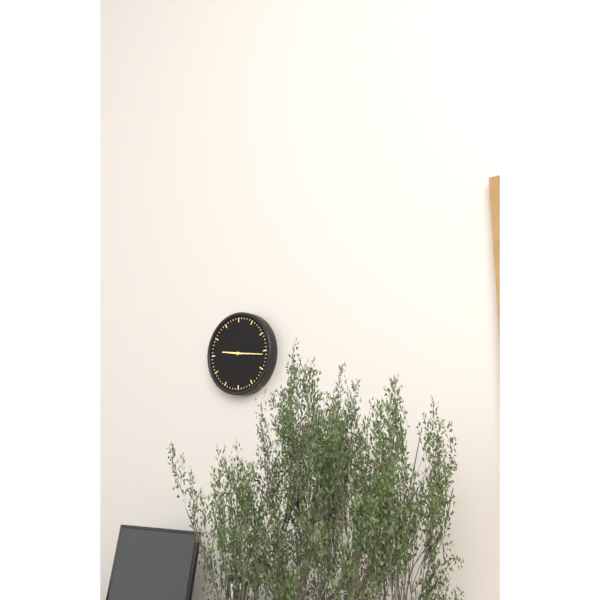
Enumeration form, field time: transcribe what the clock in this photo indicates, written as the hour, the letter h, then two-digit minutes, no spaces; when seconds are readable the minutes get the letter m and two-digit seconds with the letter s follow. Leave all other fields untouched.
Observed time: 9h16
